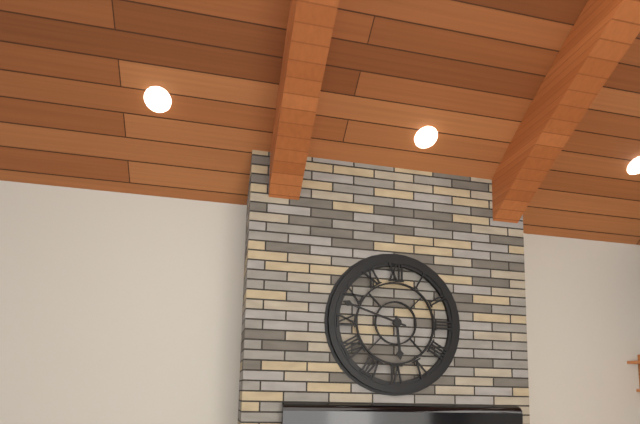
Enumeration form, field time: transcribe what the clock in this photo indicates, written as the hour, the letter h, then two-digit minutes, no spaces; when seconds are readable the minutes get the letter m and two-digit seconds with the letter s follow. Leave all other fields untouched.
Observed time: 5h48
